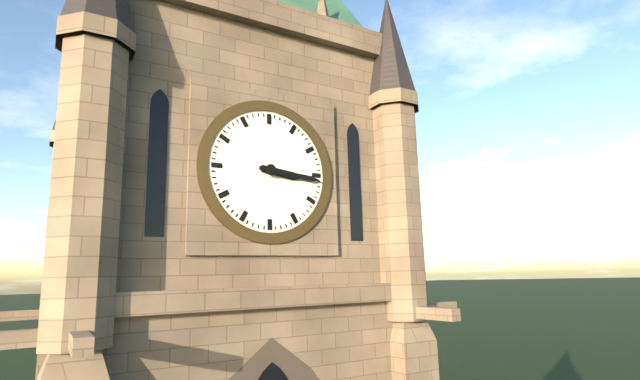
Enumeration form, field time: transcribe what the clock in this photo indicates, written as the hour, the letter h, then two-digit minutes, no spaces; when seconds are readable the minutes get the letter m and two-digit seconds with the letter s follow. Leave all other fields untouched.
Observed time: 3h16
